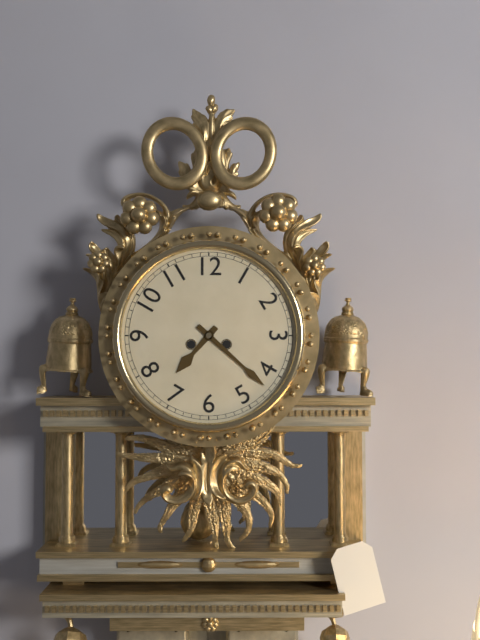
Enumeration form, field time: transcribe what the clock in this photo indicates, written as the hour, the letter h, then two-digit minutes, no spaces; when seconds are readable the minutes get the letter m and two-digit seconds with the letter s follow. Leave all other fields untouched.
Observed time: 7h22
